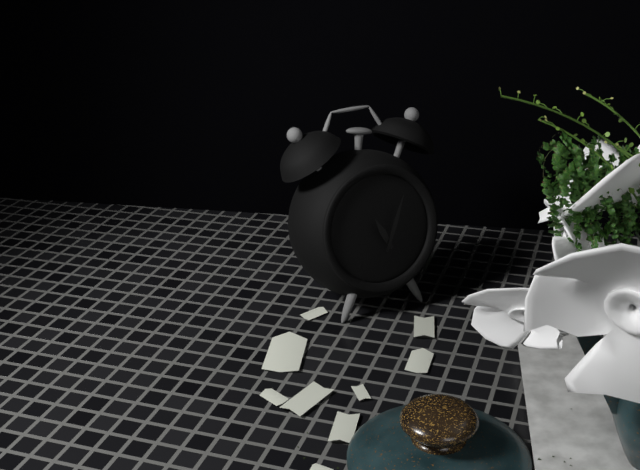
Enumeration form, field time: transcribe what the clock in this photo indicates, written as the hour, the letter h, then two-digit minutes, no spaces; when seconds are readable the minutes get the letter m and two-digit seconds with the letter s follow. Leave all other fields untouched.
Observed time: 11h03
